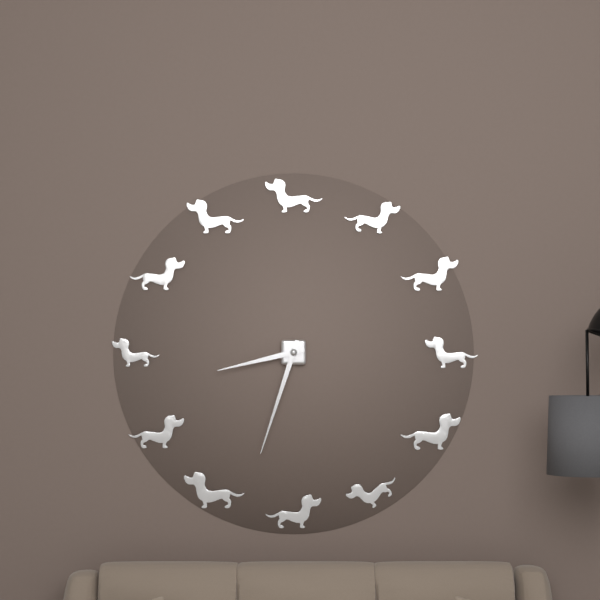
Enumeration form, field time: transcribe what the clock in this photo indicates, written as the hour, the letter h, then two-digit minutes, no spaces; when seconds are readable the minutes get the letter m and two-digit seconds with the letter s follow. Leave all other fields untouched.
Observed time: 8h33
